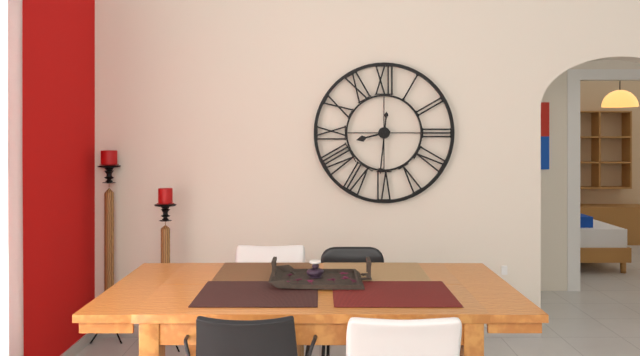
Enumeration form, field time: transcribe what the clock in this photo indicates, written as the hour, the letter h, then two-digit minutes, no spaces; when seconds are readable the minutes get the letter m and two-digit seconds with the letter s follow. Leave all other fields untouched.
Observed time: 8h31
